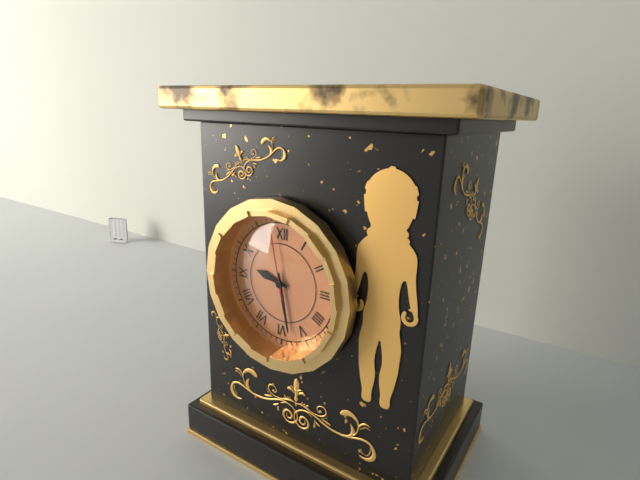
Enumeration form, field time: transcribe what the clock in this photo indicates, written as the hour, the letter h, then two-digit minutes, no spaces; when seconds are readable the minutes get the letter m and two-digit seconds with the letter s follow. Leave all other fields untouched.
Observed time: 9h28m58s
